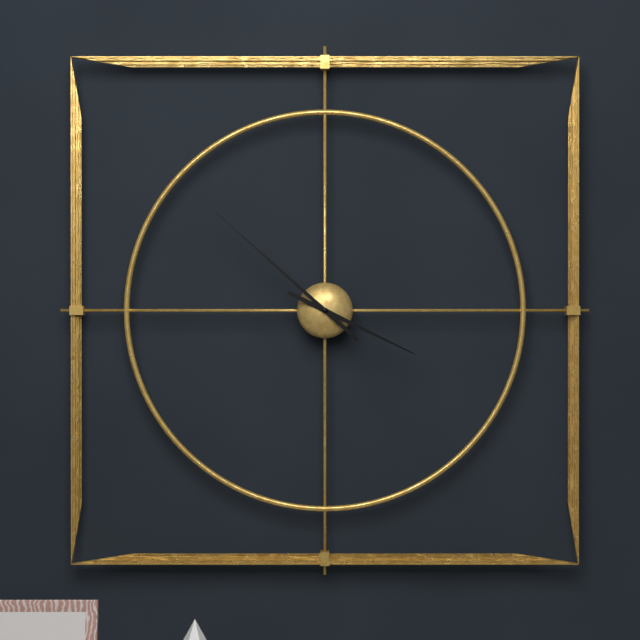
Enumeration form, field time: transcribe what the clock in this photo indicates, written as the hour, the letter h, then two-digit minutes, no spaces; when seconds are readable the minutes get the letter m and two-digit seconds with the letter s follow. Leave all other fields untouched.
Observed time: 3h52
